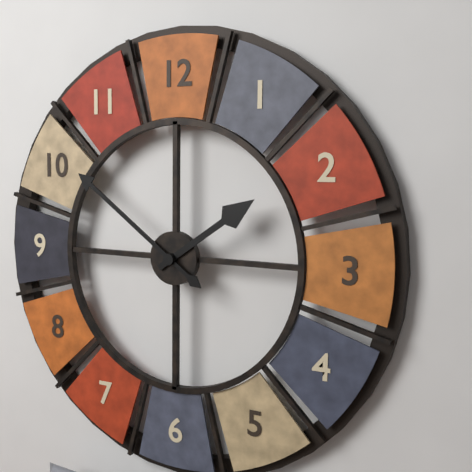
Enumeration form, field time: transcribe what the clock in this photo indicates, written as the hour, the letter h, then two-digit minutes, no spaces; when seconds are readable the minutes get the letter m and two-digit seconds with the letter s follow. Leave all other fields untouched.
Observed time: 1h51
